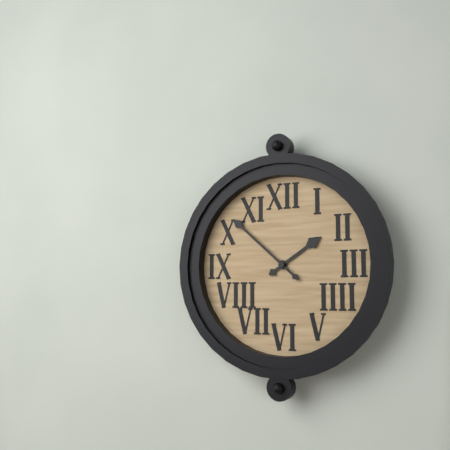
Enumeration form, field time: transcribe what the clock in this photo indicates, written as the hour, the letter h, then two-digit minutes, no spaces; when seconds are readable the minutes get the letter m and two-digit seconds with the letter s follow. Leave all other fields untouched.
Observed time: 1h52
